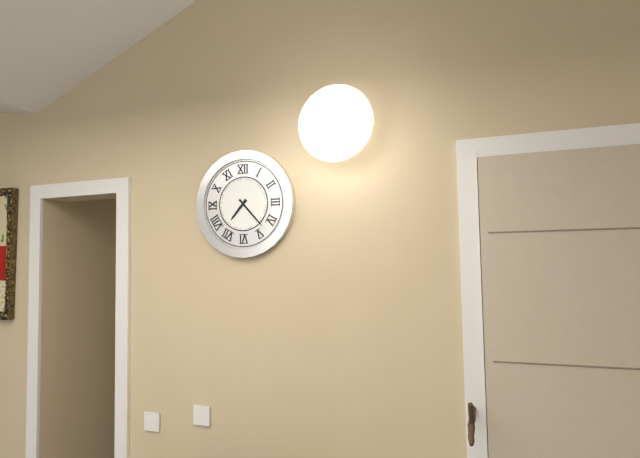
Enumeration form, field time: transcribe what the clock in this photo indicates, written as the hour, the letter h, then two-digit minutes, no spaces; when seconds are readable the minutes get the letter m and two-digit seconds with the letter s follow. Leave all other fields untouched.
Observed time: 7h23
